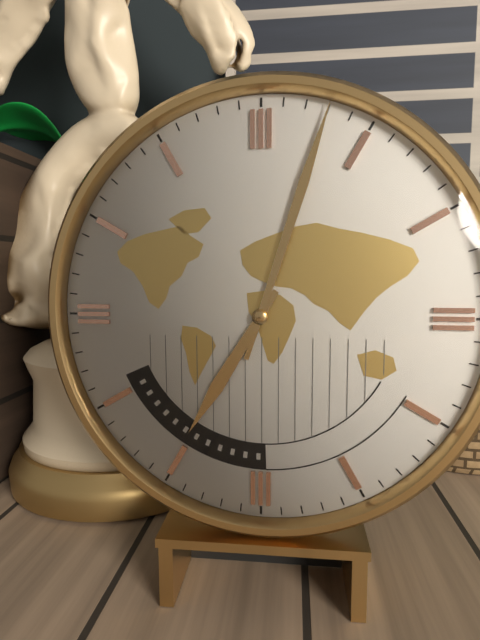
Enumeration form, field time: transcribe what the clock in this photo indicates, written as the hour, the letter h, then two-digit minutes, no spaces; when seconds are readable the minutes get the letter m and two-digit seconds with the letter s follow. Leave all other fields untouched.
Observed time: 7h03
